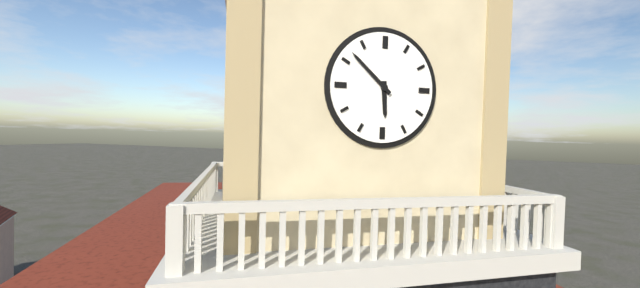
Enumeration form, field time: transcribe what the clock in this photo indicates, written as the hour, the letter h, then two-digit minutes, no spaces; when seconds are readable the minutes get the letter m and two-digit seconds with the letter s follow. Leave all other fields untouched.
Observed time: 5h52
